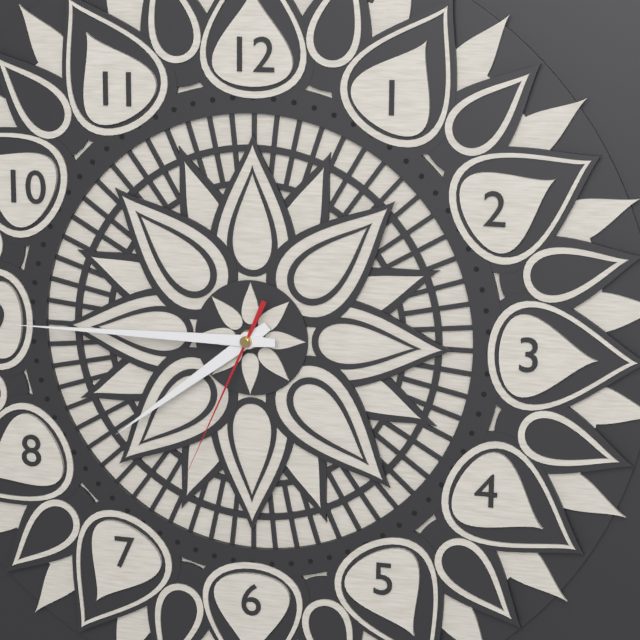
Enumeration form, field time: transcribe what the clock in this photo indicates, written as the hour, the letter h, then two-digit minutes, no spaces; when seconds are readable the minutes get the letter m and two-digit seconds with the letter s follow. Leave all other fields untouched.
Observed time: 7h45m34s
